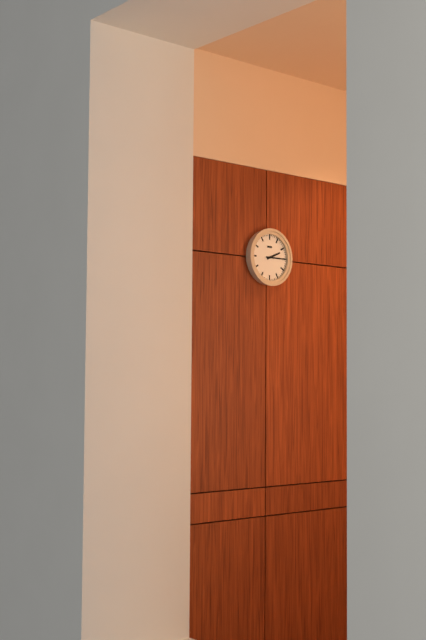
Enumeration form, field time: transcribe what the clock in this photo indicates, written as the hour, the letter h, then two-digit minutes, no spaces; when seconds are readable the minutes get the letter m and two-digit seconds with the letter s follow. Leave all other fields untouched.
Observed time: 2h15
